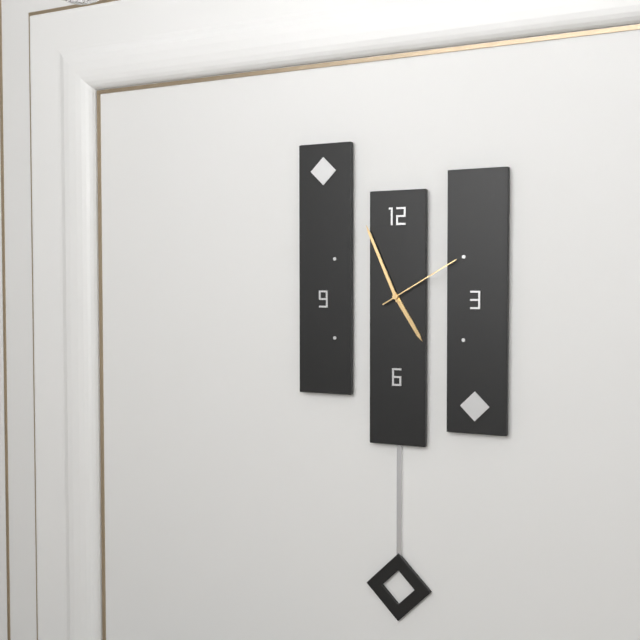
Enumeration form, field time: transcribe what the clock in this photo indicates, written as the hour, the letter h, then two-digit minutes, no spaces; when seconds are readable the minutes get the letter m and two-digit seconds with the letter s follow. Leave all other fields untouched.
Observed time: 4h56m10s
